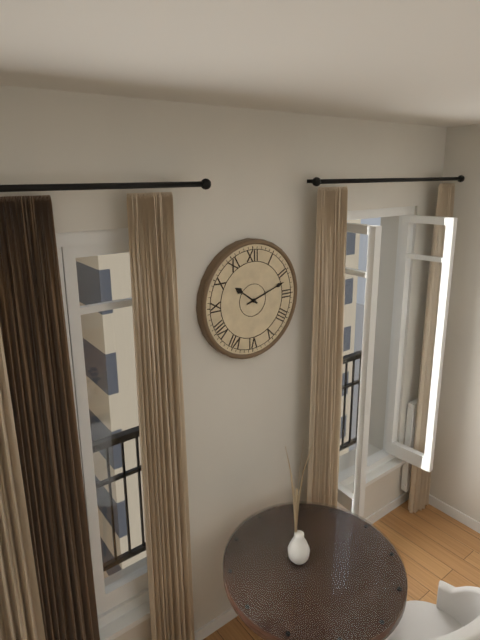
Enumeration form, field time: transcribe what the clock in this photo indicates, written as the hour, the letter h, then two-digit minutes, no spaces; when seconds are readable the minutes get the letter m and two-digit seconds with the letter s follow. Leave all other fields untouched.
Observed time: 10h12
